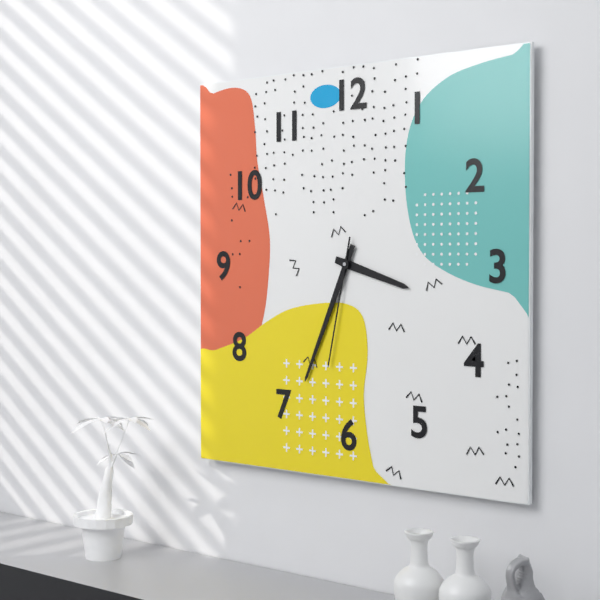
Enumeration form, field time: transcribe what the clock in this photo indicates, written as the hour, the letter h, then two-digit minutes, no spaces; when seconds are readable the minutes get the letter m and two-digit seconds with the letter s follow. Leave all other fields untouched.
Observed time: 3h34m32s
